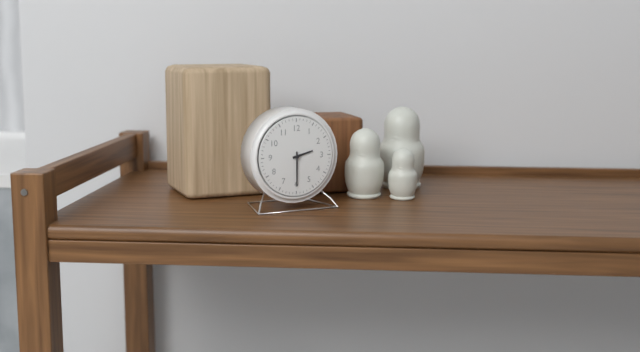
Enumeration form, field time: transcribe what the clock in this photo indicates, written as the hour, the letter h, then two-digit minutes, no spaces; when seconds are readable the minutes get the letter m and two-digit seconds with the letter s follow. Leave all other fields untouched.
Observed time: 2h30
